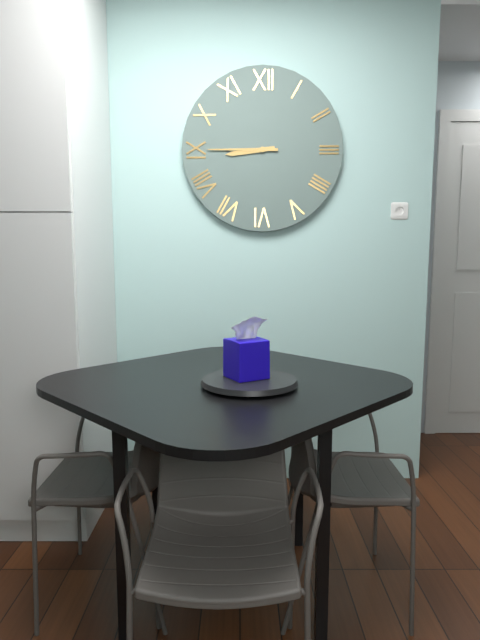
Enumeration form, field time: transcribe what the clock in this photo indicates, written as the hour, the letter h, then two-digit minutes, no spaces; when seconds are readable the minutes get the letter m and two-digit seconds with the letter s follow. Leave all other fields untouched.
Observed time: 8h45
